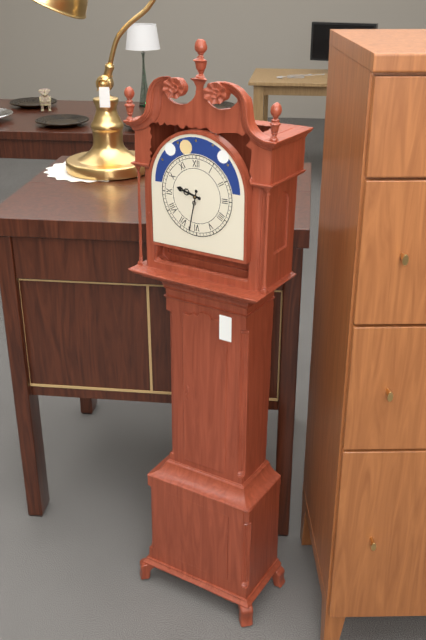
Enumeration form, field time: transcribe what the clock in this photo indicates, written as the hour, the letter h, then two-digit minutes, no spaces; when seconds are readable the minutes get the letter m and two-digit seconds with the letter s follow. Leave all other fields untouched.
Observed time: 9h32
